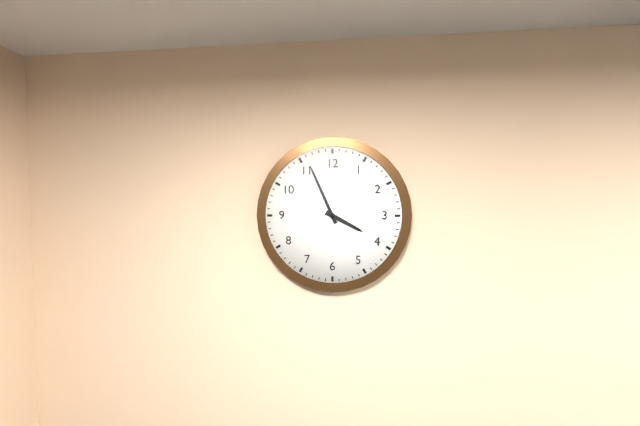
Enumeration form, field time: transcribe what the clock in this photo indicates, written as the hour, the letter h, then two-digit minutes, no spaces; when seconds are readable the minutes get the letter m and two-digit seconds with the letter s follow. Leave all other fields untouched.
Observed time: 3h56
